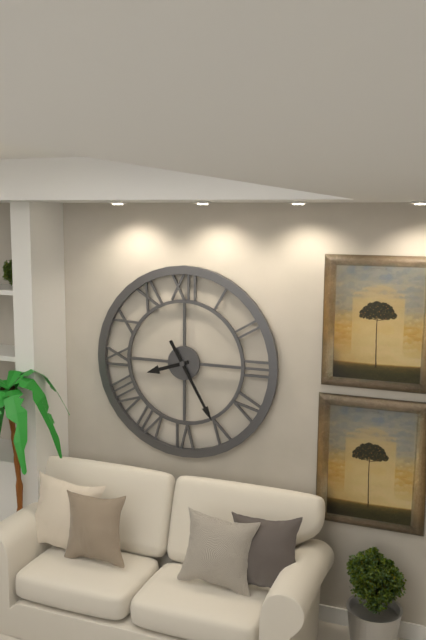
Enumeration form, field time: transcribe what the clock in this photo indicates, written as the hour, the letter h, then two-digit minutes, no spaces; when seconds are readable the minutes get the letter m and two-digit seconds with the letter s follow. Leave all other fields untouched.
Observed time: 8h25
